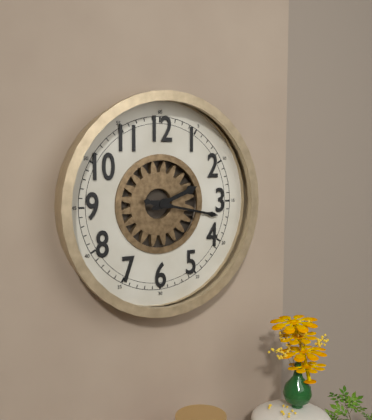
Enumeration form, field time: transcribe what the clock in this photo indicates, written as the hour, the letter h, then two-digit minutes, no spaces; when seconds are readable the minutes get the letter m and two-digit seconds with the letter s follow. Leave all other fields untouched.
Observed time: 2h17
